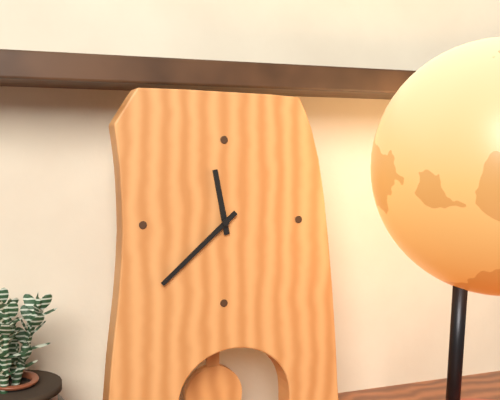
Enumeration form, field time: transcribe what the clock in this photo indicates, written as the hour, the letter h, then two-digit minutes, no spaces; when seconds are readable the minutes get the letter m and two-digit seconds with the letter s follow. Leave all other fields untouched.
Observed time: 11h38
